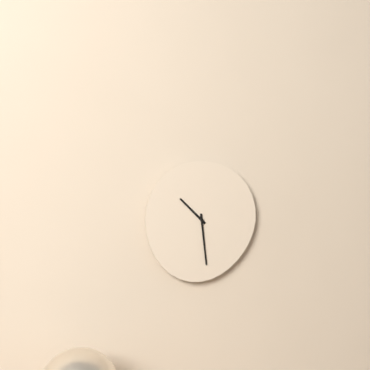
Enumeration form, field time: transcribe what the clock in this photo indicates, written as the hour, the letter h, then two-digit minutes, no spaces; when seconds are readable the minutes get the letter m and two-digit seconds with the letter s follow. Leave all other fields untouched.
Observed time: 10h29
